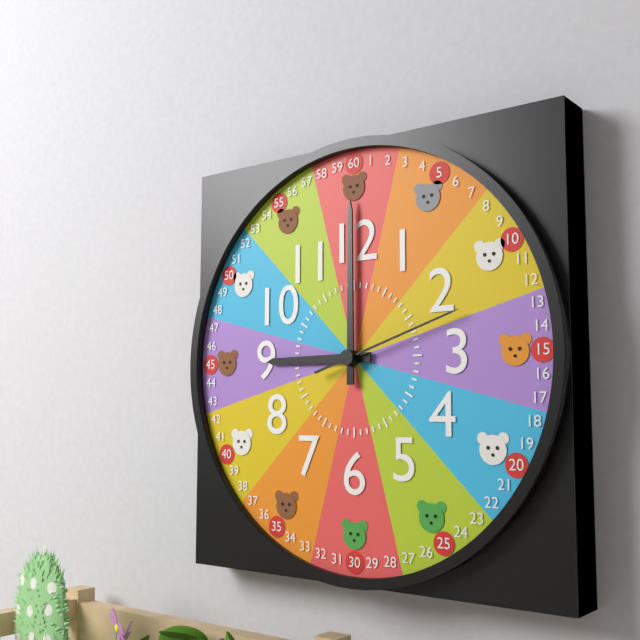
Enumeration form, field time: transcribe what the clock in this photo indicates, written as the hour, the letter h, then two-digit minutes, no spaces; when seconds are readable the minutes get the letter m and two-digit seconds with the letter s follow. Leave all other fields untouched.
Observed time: 9h00m12s
